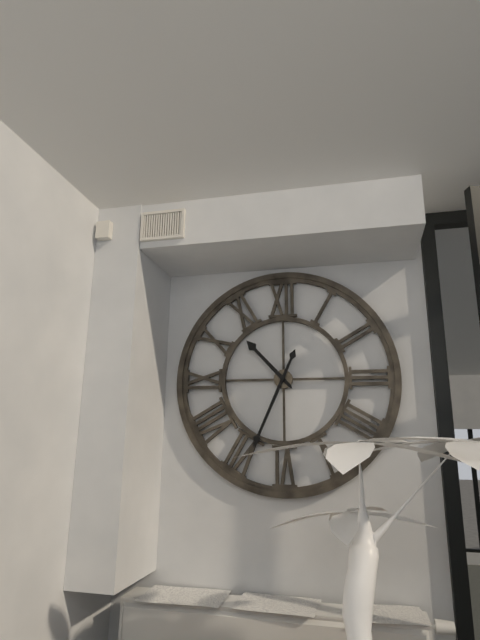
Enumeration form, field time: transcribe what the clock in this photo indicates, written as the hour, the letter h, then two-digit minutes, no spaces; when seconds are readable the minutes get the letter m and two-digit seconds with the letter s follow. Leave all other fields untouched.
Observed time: 10h34
